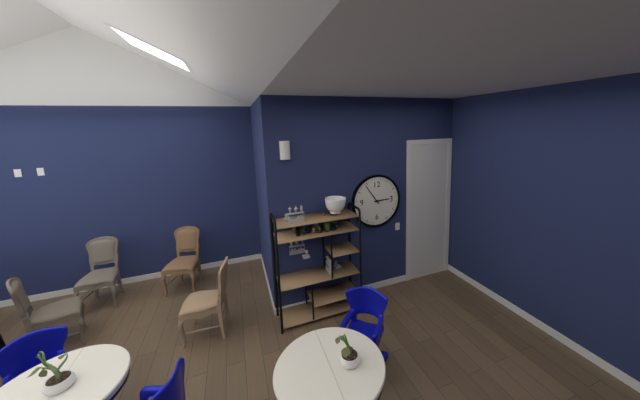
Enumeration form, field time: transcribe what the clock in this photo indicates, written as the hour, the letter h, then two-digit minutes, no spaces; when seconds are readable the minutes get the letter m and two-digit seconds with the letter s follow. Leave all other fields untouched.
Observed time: 2h54
